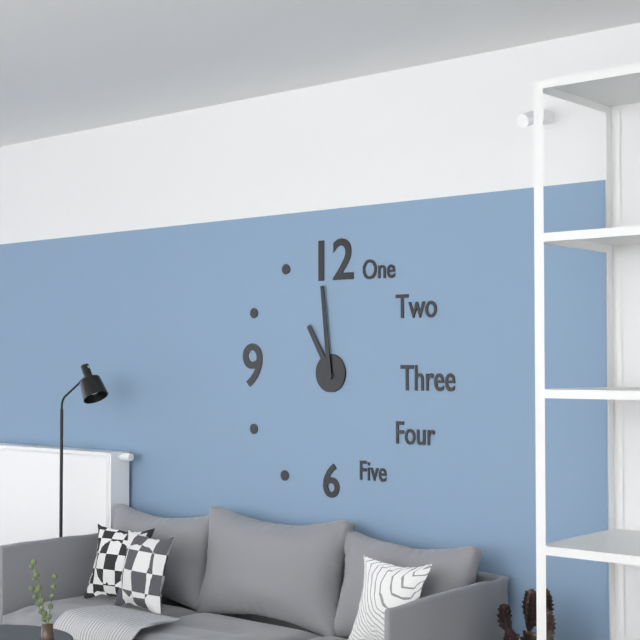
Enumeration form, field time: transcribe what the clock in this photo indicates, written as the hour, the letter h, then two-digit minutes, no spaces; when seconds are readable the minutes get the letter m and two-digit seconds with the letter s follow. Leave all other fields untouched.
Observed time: 10h59
